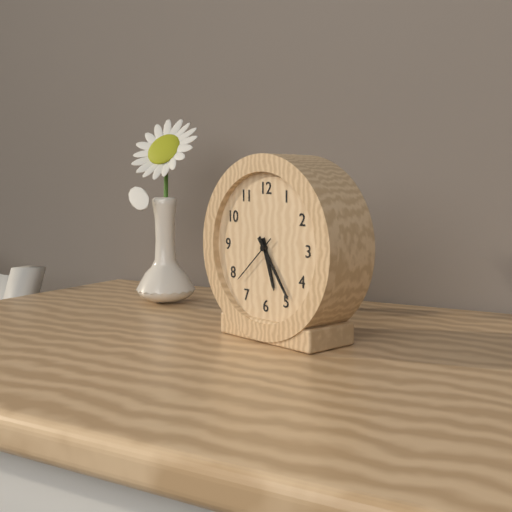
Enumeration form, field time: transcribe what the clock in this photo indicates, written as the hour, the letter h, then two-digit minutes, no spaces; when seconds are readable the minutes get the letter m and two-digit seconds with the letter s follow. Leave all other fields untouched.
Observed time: 5h24m38s
